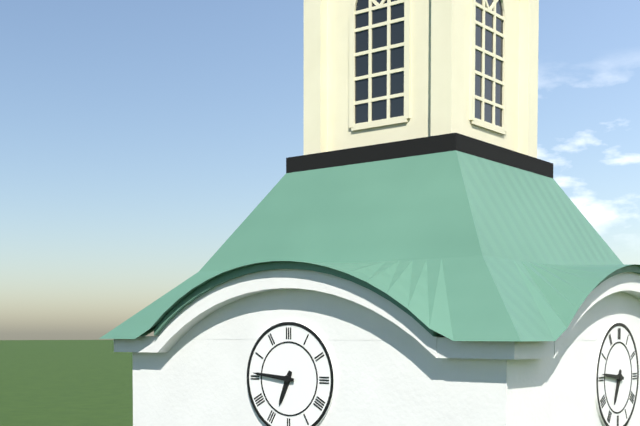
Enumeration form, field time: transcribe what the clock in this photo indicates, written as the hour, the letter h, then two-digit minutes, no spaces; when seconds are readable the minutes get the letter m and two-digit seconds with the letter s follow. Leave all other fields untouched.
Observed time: 6h46
